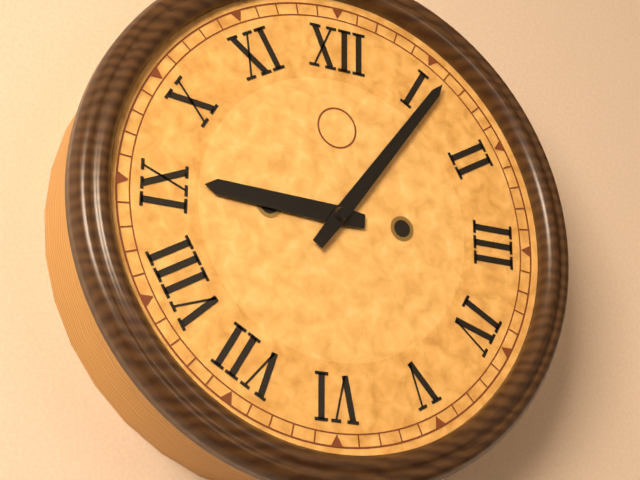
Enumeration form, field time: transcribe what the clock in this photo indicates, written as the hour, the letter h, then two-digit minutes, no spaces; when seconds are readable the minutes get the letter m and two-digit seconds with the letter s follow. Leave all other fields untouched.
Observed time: 9h06
